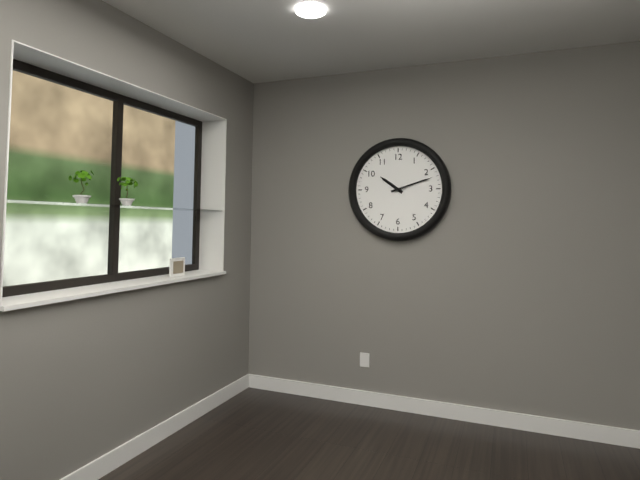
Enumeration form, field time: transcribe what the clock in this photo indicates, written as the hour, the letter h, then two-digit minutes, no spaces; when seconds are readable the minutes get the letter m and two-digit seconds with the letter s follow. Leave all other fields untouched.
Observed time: 10h12
